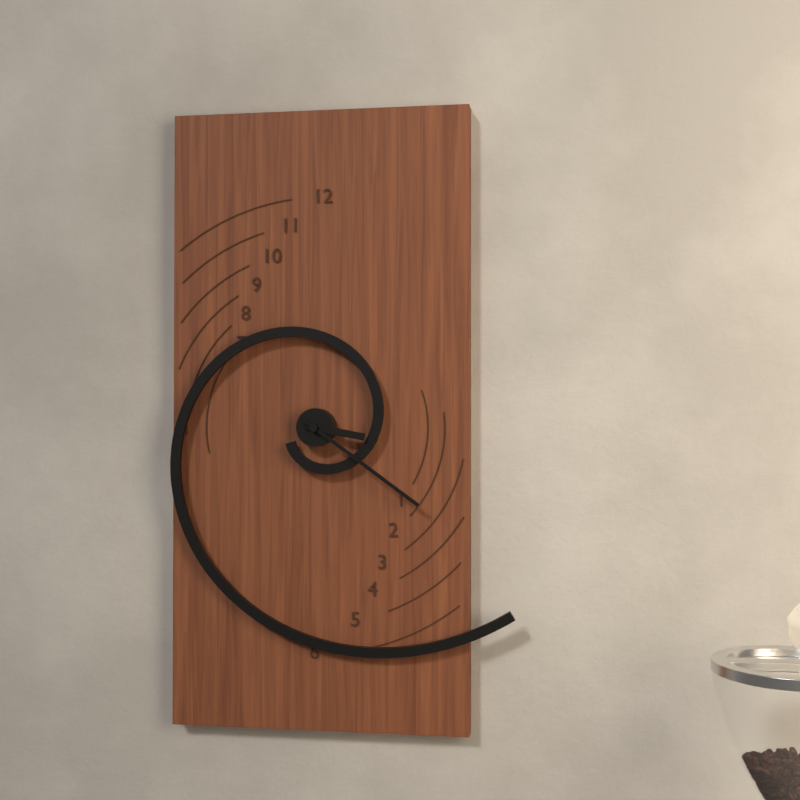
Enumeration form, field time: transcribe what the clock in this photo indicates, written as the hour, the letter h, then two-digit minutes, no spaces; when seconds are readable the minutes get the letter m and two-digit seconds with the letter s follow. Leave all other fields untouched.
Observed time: 3h21
